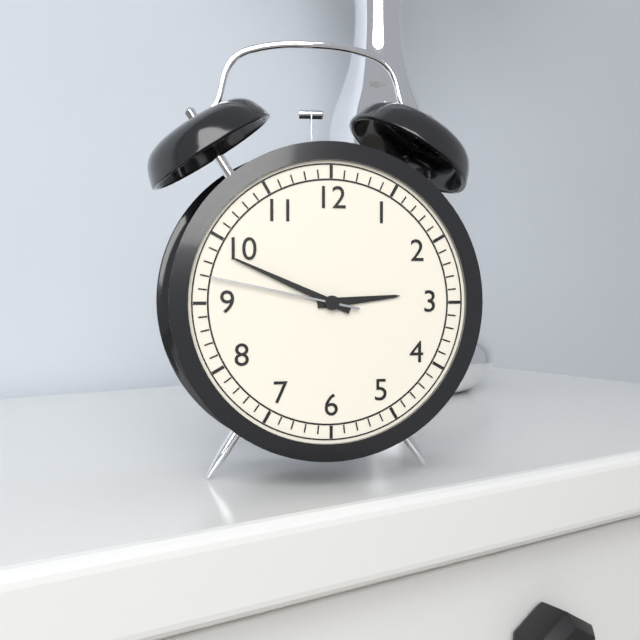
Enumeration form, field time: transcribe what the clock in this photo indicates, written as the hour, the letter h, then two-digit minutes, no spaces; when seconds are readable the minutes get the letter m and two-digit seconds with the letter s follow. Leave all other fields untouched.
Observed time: 2h49m47s
